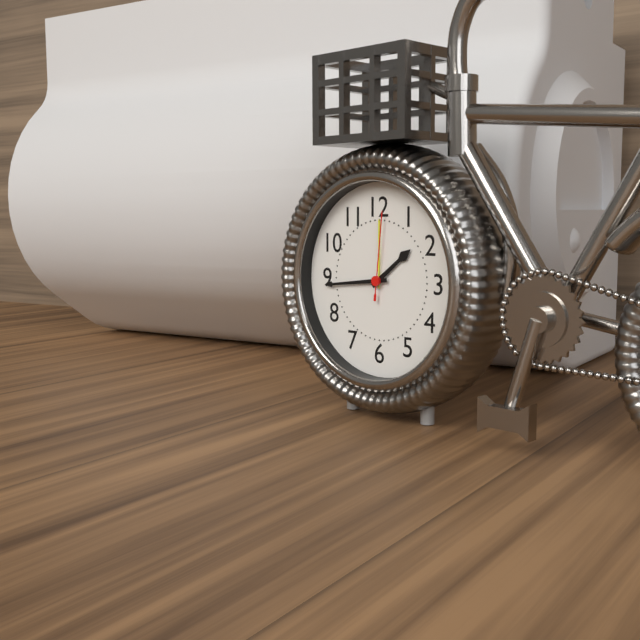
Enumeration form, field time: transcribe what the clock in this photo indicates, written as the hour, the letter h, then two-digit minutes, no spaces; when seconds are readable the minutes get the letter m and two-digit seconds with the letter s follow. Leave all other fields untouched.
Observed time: 1h44m01s
